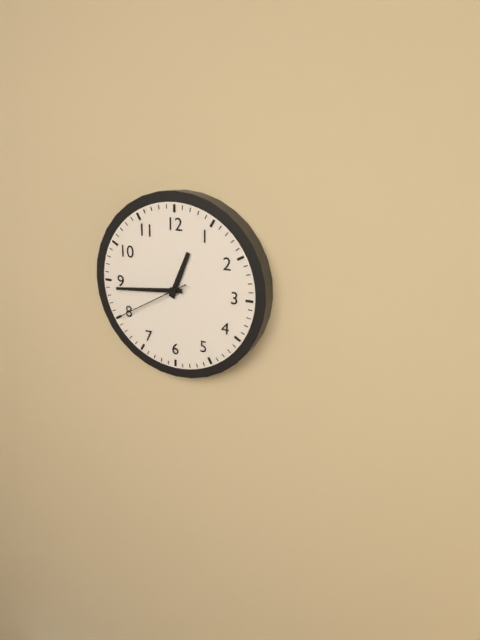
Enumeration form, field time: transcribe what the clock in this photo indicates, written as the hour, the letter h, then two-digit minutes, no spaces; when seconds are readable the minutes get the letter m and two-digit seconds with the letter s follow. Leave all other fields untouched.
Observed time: 12h44m40s
